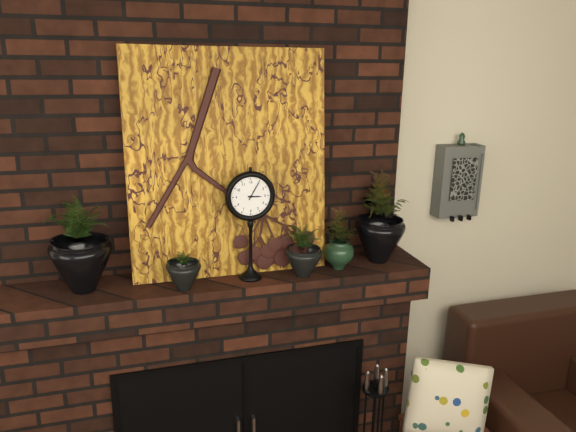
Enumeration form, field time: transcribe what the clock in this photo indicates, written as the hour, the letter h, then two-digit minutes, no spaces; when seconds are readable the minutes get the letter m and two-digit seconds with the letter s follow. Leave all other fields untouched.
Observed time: 3h05
